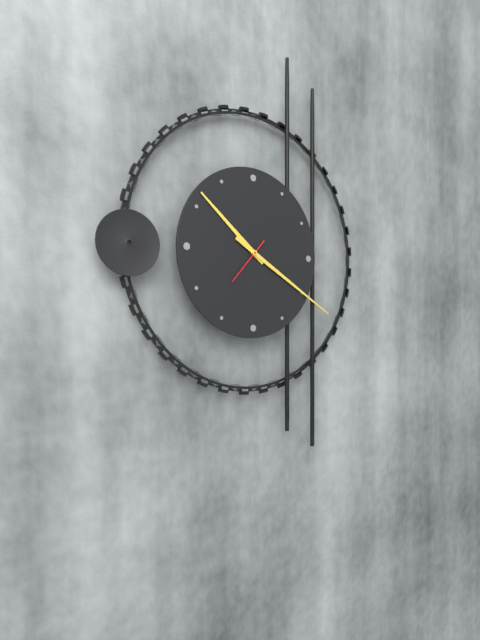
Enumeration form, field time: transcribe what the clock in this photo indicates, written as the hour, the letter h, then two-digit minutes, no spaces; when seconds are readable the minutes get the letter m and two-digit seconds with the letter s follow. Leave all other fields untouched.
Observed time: 10h20
